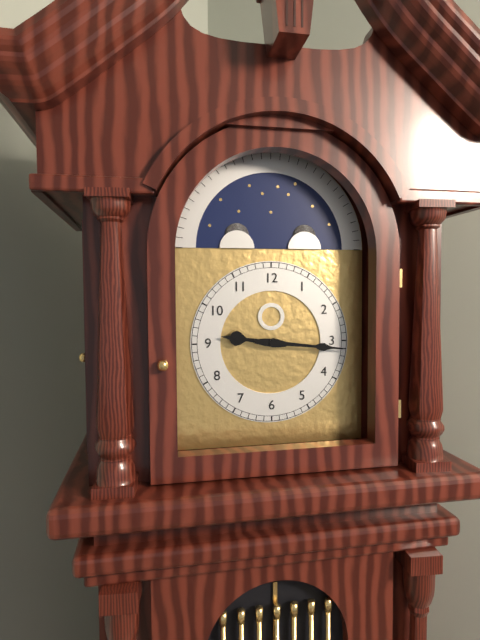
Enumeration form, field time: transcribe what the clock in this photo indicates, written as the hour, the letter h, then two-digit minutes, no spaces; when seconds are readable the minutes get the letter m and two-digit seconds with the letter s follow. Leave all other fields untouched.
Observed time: 9h16
